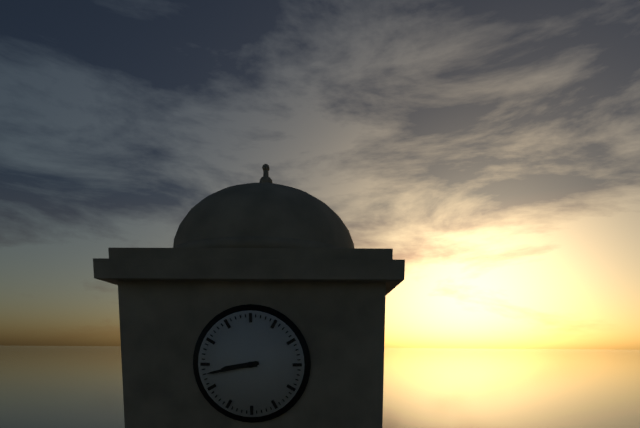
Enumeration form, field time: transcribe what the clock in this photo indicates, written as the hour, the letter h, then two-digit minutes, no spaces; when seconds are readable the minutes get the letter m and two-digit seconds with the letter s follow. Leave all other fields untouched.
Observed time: 8h43
